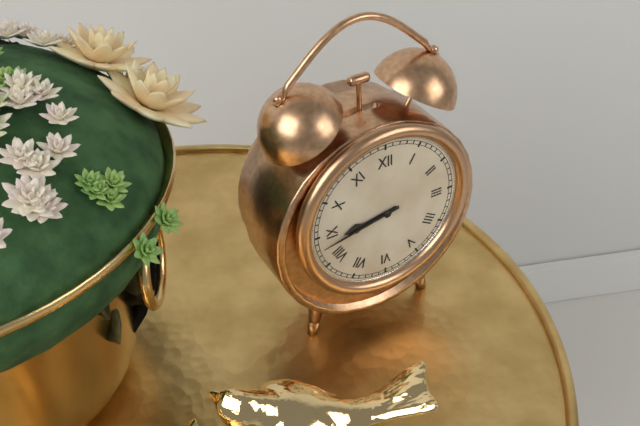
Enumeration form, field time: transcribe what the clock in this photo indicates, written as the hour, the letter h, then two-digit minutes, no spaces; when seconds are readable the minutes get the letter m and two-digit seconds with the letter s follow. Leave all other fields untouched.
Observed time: 8h43
